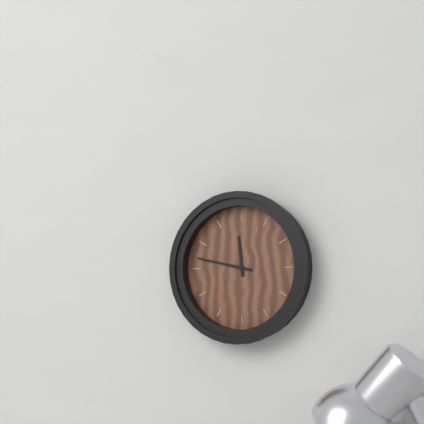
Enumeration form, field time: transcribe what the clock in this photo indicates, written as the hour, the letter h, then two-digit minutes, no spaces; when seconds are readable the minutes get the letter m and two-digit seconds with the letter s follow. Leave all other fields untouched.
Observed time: 11h47
